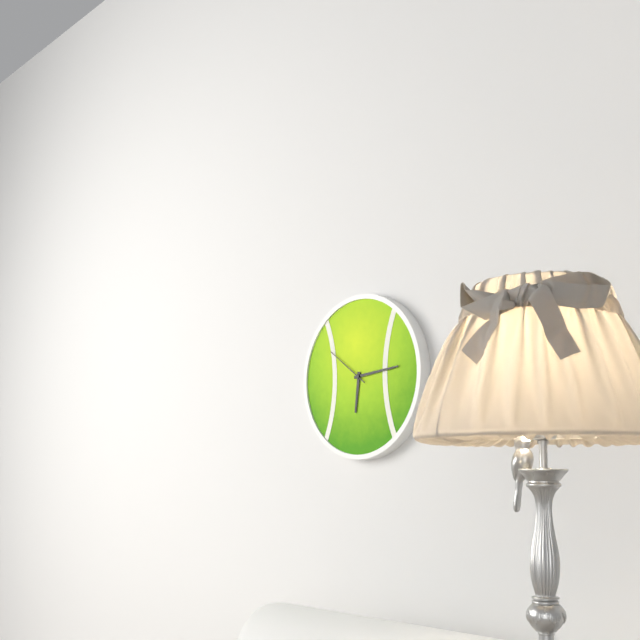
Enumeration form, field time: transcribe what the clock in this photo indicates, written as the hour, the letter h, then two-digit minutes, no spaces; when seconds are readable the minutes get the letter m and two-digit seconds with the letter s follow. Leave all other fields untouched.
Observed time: 6h14
